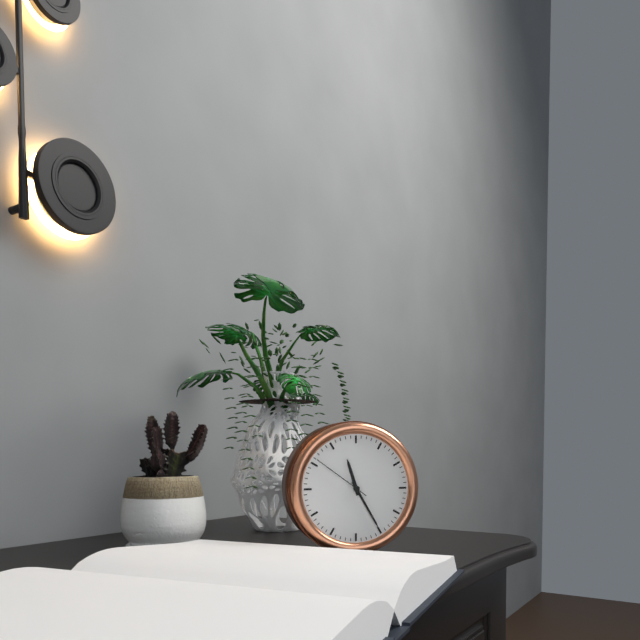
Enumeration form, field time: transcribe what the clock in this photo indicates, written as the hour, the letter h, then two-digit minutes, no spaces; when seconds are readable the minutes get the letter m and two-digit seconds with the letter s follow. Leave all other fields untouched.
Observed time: 11h25m51s
